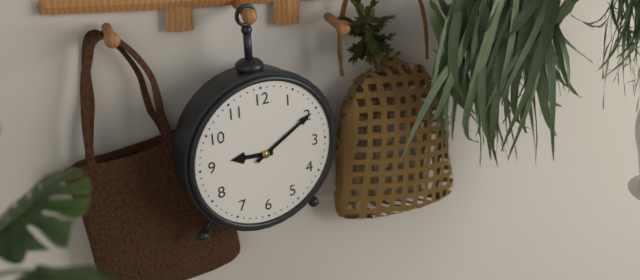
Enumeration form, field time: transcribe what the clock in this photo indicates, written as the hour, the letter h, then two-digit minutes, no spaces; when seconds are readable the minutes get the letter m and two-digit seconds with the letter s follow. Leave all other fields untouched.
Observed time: 9h10
